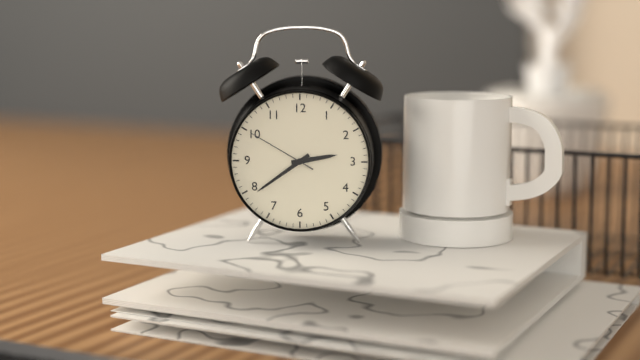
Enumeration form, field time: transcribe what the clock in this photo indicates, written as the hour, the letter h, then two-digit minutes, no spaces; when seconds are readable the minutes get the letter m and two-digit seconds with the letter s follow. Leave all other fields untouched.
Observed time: 2h39m50s
